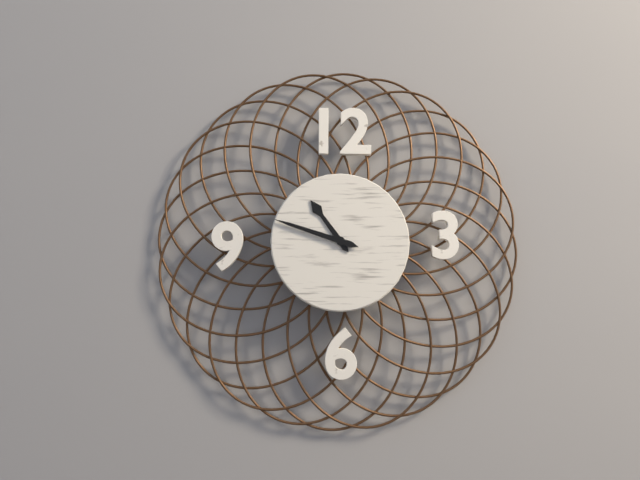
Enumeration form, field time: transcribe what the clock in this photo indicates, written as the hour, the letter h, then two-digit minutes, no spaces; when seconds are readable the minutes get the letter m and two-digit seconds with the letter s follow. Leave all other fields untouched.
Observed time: 10h48
